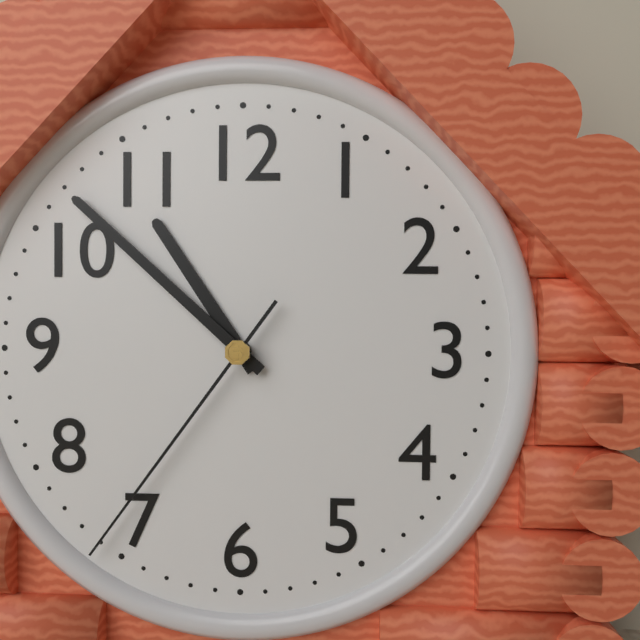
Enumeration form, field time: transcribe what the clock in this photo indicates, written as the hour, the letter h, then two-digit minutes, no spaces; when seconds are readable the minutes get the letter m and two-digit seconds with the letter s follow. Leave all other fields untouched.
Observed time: 10h52m36s
